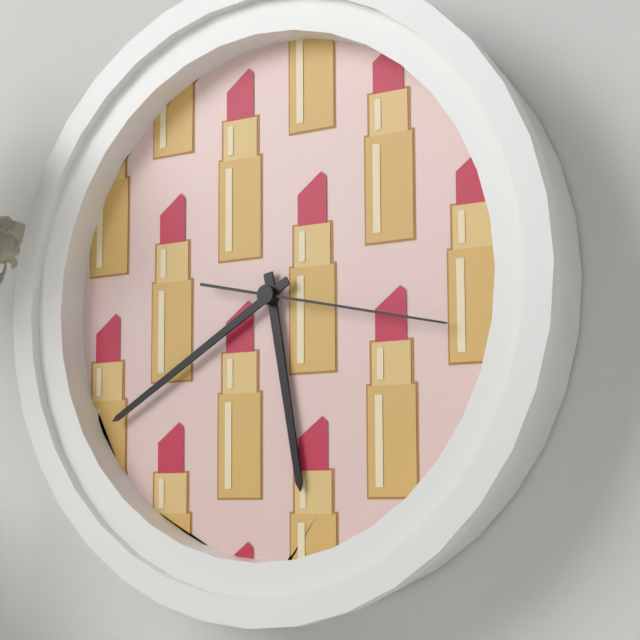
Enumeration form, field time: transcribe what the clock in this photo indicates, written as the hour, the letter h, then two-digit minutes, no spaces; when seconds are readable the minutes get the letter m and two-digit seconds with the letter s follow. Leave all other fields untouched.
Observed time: 5h40m17s
